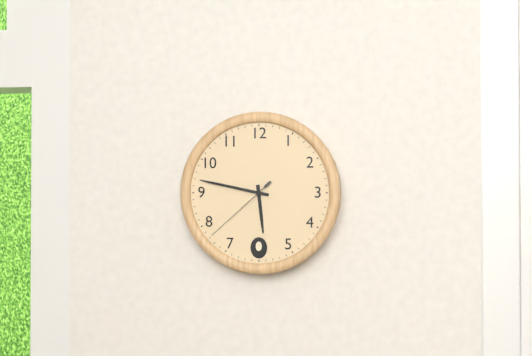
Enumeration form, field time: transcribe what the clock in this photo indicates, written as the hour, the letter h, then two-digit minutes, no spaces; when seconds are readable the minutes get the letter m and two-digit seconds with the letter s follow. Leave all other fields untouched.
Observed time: 5h47m38s
